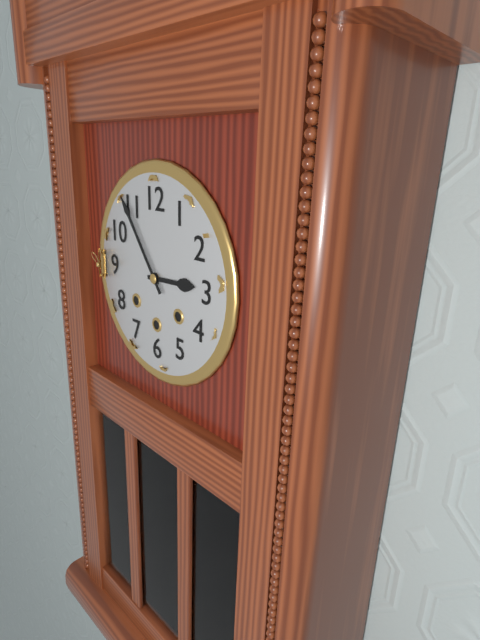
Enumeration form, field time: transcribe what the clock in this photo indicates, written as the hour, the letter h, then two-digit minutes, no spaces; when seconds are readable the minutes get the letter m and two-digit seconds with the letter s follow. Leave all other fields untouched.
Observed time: 2h54
